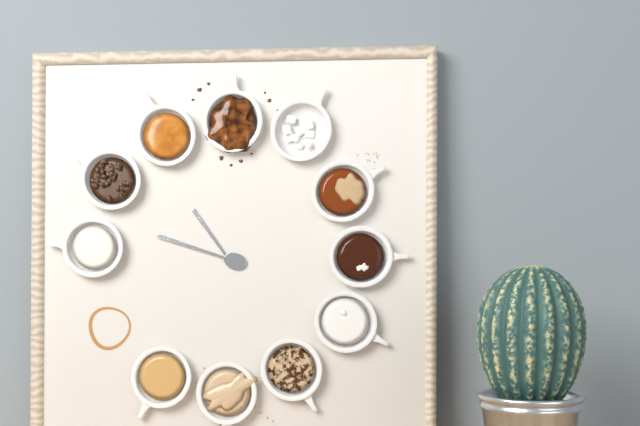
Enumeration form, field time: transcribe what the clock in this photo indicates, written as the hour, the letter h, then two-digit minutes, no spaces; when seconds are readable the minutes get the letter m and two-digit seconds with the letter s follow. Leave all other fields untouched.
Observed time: 10h48
